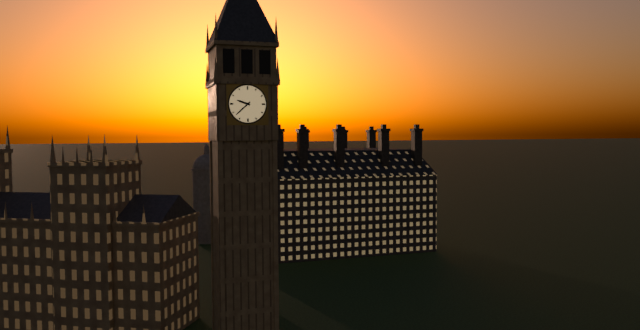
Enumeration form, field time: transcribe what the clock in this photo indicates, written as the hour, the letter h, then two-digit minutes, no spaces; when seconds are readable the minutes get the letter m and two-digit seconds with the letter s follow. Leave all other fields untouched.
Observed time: 9h38
